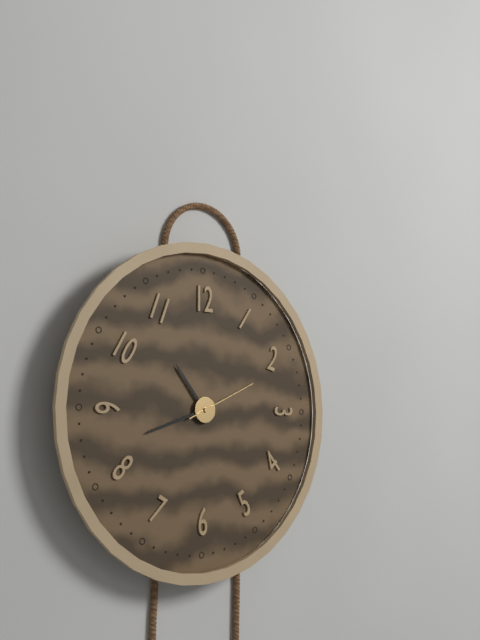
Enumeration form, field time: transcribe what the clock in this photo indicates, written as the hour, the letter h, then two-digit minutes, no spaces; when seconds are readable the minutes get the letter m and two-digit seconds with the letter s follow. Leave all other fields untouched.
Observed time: 10h42m11s
